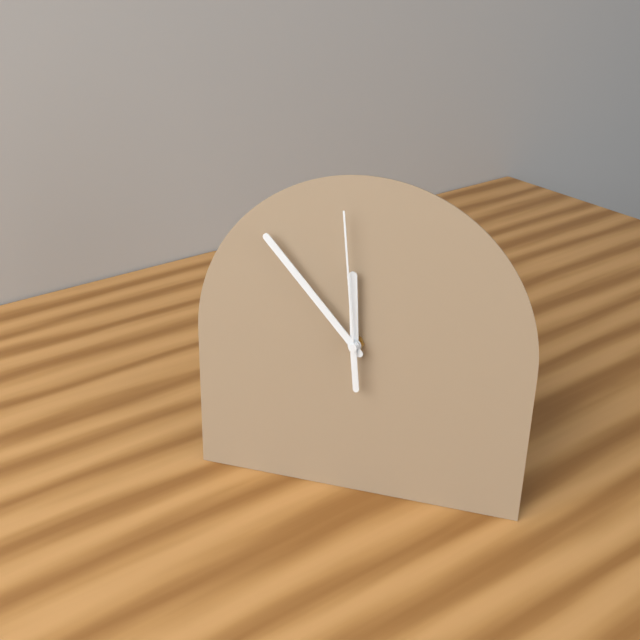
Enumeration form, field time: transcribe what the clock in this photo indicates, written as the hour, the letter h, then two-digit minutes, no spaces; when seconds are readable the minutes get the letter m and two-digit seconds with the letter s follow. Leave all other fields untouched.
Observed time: 11h53m59s
